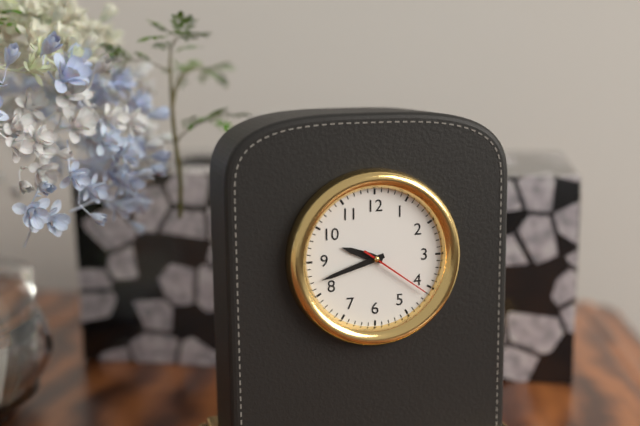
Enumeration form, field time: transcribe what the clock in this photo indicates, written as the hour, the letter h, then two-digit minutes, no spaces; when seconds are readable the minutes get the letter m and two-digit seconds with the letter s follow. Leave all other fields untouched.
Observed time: 9h42m21s
